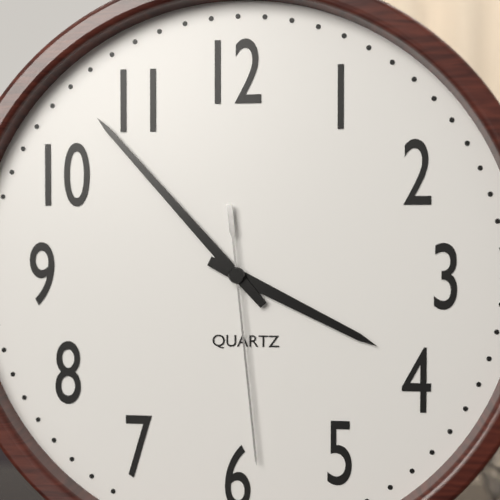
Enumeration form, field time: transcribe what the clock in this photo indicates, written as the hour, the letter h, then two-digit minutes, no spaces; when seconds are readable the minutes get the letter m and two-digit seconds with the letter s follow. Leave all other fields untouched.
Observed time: 3h53m29s
